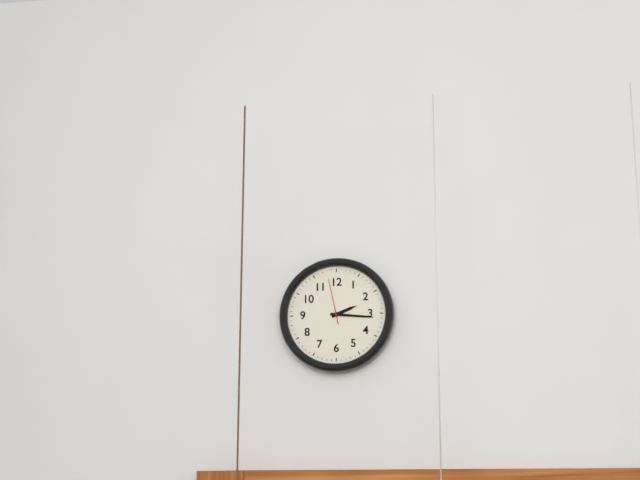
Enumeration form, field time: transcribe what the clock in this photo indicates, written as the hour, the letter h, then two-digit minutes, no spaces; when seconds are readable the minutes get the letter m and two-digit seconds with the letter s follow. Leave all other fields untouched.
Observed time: 2h16
